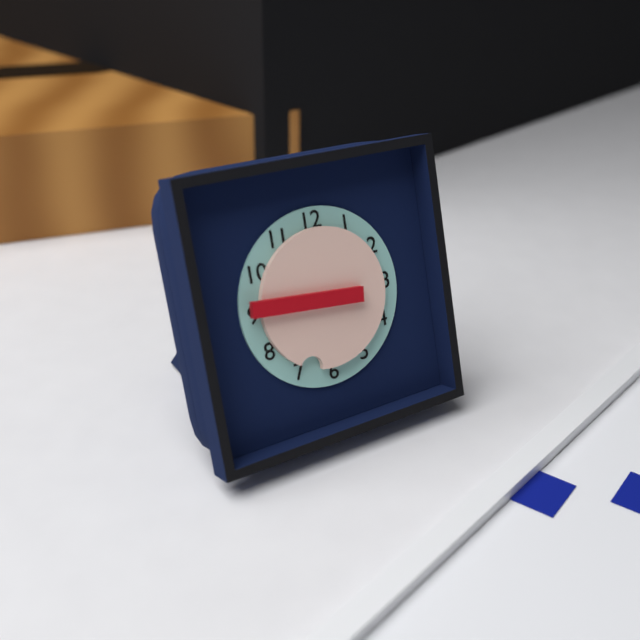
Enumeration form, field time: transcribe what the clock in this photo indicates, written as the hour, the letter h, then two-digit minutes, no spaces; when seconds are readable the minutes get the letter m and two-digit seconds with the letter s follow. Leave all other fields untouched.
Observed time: 6h46
